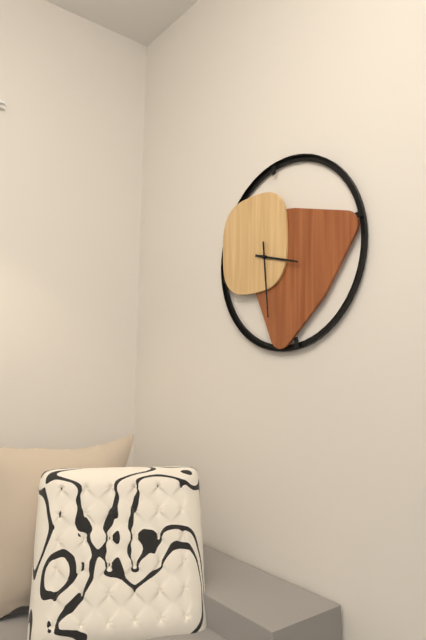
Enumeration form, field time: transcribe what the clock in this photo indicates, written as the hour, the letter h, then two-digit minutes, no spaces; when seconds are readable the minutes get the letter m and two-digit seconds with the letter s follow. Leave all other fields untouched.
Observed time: 3h29
